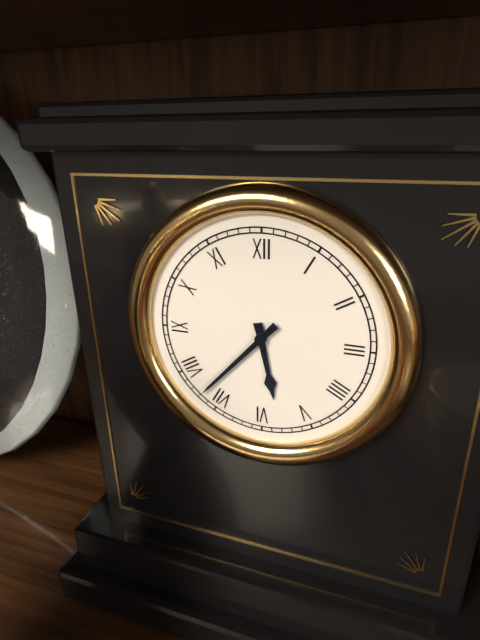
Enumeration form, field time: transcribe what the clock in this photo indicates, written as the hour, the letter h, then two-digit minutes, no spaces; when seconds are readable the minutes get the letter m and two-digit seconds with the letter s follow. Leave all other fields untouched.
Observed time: 5h37
